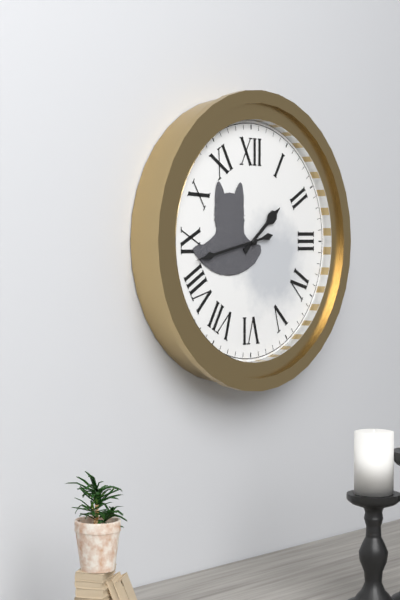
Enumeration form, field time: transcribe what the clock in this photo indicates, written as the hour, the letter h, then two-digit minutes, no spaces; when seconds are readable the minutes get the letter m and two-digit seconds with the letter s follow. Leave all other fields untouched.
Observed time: 1h43
